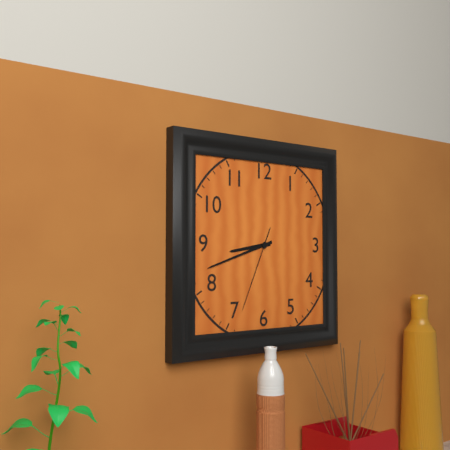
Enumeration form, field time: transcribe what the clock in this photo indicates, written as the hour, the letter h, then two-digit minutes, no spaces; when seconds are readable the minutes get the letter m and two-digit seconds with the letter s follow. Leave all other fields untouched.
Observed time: 8h42m34s
